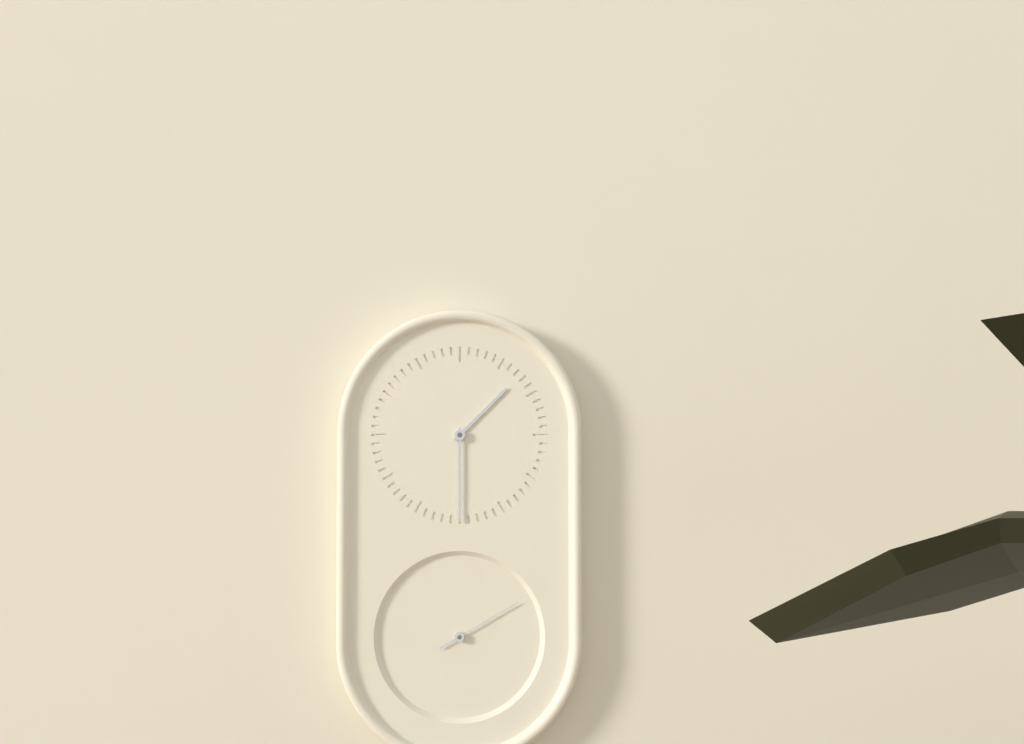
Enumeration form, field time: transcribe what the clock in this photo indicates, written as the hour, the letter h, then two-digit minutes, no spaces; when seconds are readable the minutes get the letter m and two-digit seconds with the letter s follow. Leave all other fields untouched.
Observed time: 1h30m10s
